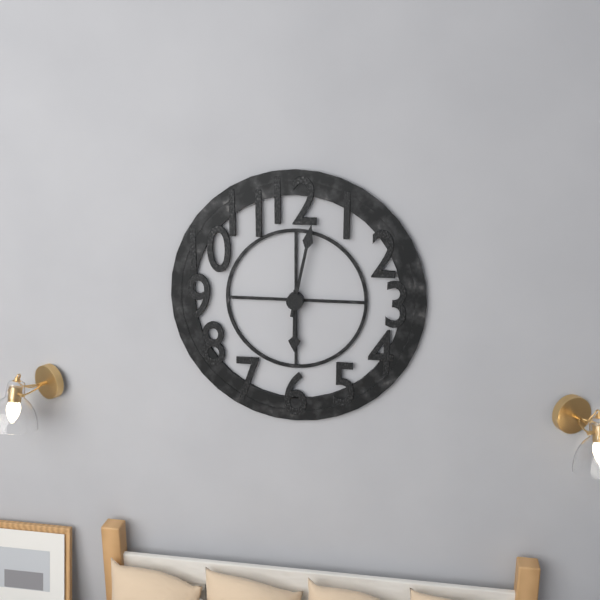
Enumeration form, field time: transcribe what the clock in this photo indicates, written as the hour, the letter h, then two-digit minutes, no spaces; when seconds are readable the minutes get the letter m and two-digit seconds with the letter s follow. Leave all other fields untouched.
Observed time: 6h02
